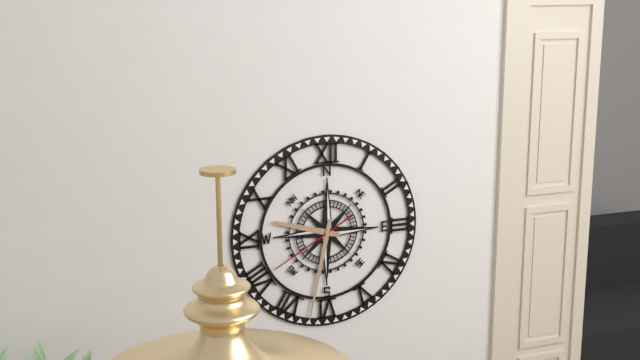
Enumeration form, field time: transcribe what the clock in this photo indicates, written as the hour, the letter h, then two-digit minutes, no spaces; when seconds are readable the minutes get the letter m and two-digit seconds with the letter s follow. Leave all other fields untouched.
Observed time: 9h32m40s
